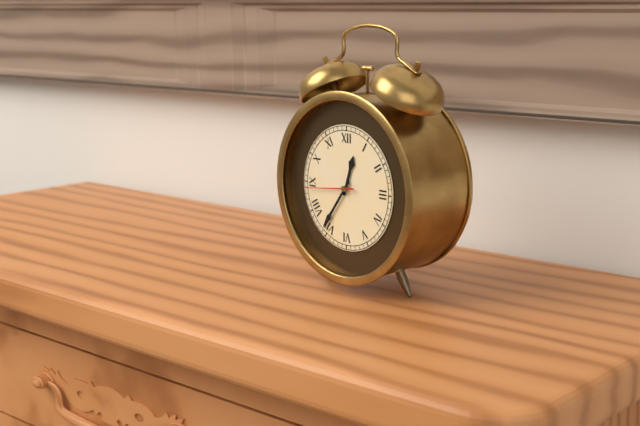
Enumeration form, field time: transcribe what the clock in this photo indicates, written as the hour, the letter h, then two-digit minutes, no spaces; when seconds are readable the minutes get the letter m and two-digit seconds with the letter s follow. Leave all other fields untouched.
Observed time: 12h36
